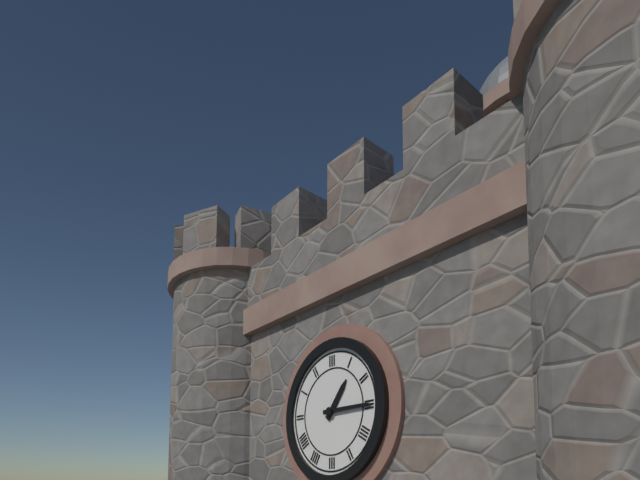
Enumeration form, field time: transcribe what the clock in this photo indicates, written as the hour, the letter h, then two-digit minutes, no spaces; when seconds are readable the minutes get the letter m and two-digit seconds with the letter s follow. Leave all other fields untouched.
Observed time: 1h15
